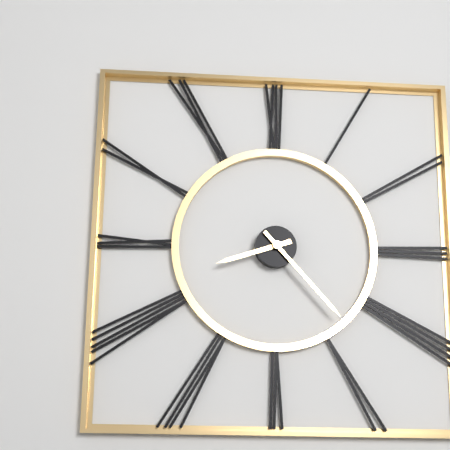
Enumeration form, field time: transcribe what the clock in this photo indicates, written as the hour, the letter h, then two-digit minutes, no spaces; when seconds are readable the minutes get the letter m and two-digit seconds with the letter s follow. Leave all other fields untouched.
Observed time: 8h23
